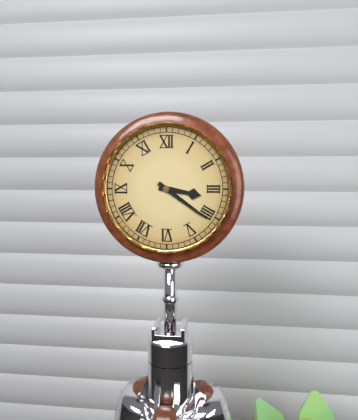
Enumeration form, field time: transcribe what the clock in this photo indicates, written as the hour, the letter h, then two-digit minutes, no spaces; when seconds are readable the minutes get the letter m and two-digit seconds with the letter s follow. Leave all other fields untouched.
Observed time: 3h21
